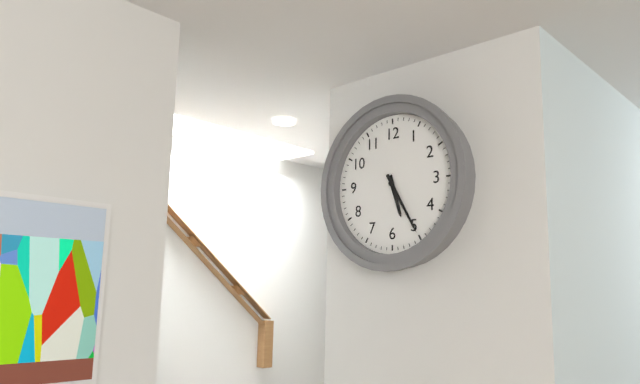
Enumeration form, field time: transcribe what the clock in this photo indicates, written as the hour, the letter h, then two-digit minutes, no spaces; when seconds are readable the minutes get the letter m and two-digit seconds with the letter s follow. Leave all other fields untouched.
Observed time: 5h25
